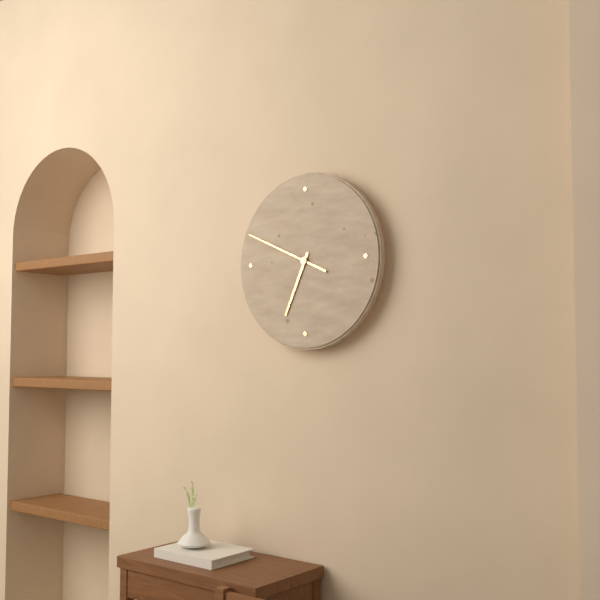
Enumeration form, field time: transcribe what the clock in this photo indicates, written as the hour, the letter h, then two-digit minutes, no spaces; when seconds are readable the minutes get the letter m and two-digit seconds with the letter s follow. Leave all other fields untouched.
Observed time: 6h49
